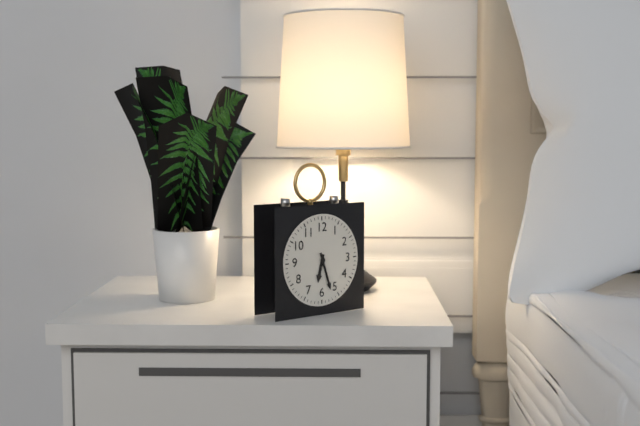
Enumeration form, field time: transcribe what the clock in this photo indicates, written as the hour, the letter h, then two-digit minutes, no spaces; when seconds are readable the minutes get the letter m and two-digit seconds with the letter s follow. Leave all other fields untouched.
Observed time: 6h27
